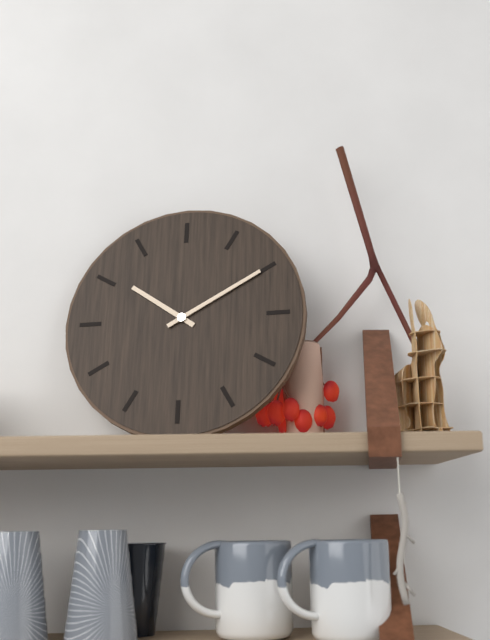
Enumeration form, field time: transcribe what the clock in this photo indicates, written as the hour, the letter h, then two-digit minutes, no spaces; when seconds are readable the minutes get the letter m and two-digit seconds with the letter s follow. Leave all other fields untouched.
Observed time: 10h10
